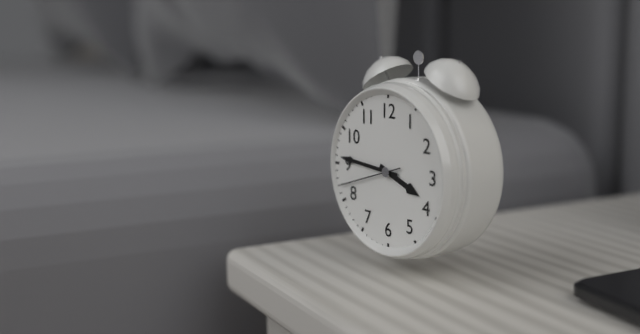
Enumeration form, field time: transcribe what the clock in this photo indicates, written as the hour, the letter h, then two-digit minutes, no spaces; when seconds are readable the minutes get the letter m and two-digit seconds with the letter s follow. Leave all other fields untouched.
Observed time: 3h46m42s
